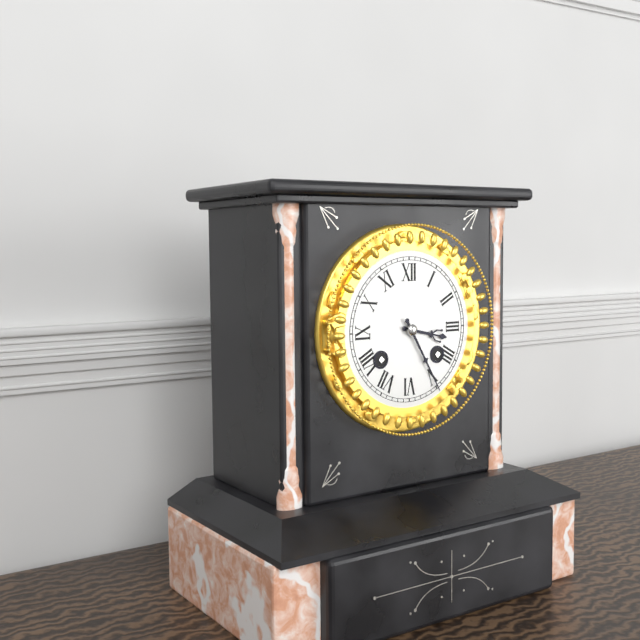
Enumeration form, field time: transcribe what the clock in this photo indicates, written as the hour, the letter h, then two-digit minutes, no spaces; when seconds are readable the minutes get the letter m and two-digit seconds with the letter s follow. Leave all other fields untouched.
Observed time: 3h25
